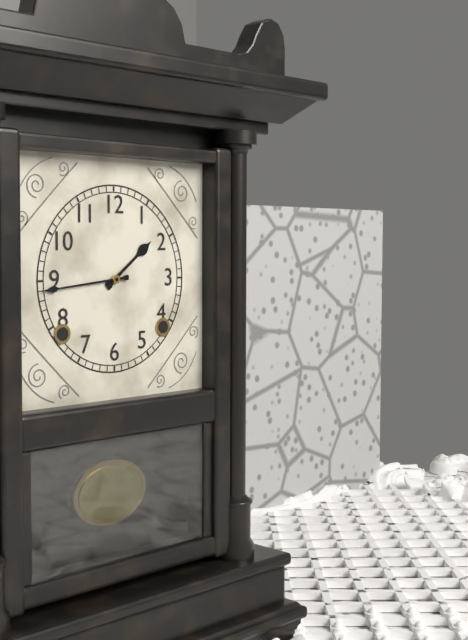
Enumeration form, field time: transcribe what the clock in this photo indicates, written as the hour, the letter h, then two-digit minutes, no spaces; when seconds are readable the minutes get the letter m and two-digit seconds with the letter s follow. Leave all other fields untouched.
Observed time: 1h44
